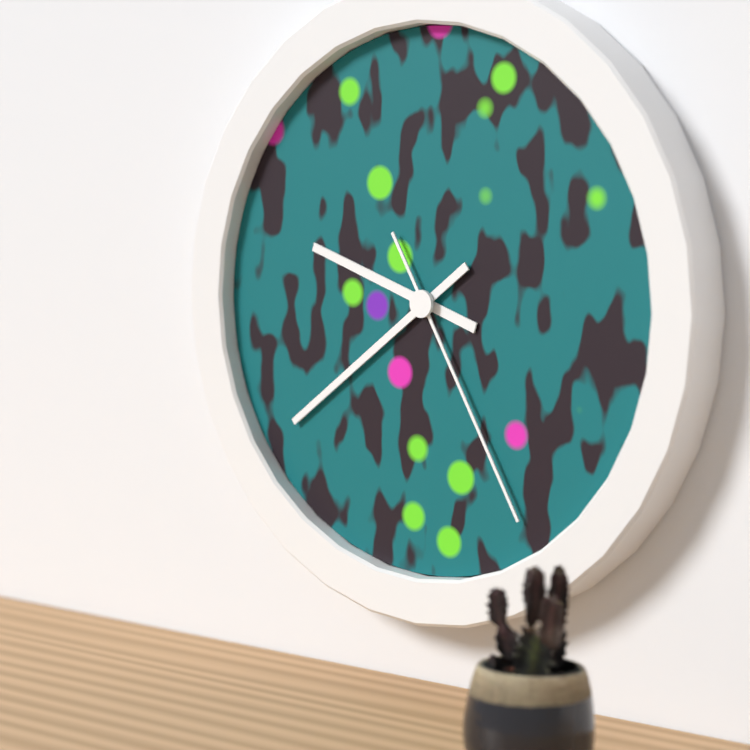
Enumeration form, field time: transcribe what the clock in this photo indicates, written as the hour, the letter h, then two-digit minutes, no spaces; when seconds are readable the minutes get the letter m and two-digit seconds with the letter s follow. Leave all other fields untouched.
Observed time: 9h39m25s
